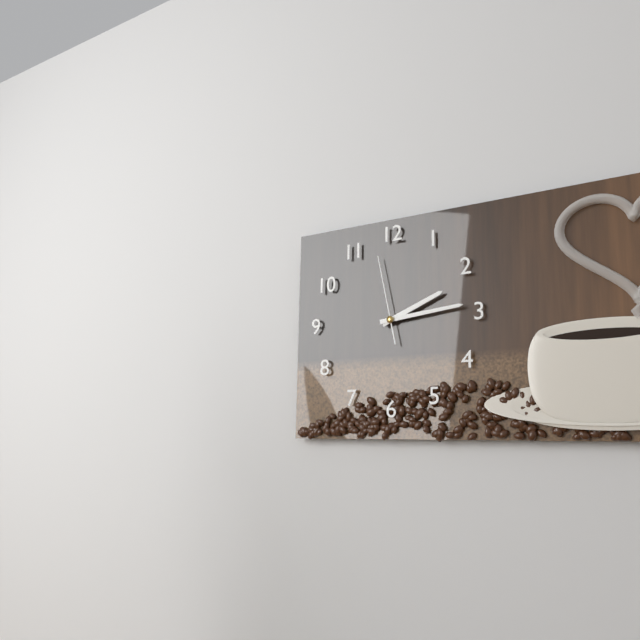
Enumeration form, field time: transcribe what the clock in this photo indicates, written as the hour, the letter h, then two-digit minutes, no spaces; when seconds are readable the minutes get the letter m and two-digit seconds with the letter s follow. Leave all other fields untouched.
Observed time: 2h14m58s
